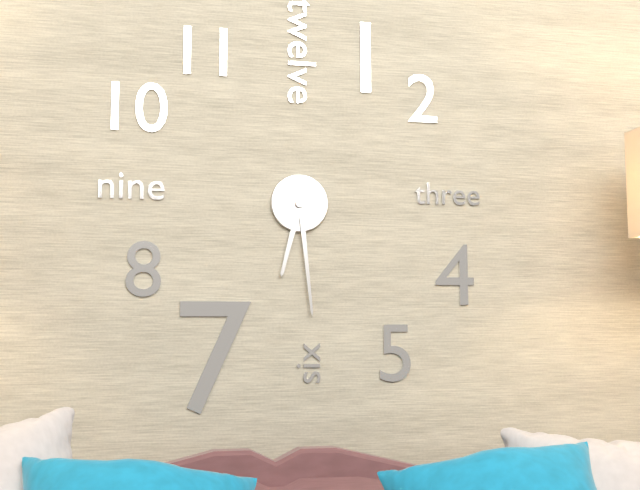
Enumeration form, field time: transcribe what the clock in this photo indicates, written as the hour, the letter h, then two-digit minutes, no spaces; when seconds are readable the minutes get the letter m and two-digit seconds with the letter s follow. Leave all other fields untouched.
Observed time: 6h29
